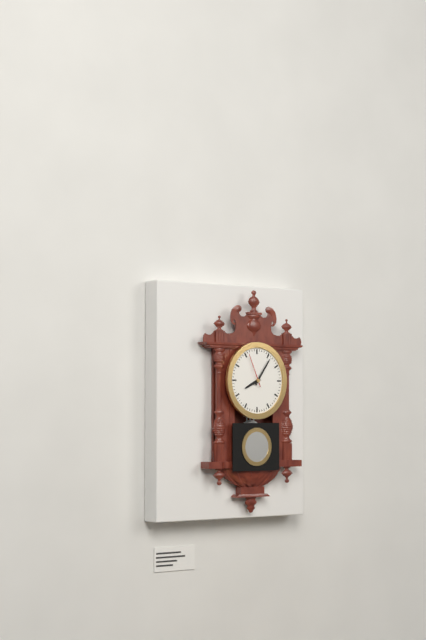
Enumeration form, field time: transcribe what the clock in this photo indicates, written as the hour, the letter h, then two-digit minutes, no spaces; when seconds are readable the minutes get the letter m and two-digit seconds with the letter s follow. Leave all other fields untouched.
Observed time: 8h06
